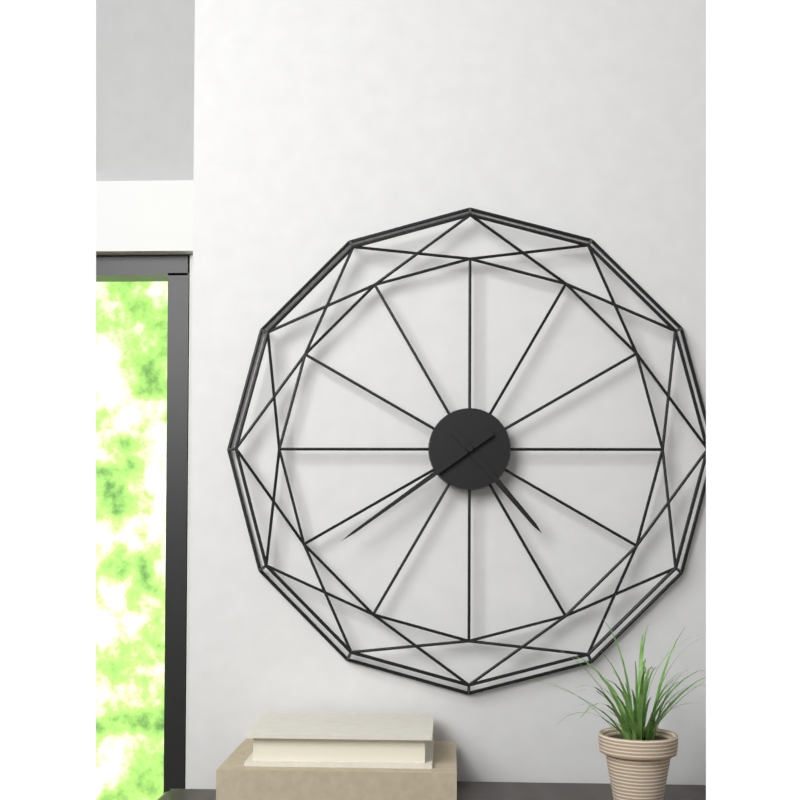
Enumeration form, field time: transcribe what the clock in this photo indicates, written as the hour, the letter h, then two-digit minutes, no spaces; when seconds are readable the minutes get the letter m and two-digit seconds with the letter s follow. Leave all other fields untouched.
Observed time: 4h39
